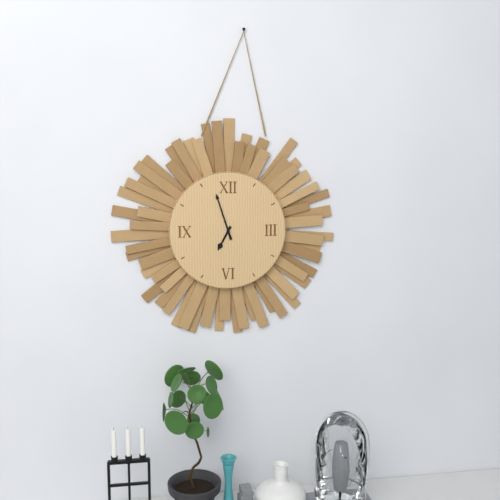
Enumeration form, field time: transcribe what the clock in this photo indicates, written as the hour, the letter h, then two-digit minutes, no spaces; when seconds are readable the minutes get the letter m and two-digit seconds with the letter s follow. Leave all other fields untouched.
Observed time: 6h57
